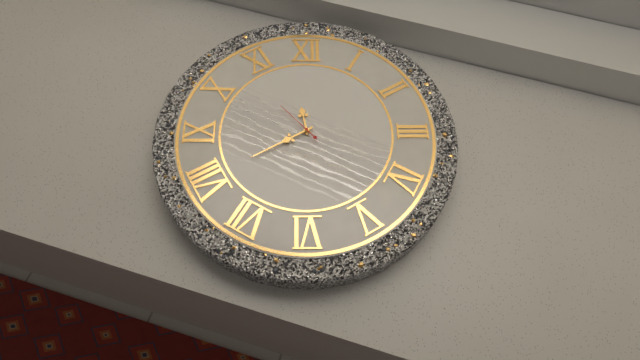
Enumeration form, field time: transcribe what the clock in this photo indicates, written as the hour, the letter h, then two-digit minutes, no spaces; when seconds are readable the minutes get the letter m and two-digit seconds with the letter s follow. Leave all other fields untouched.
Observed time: 11h40
